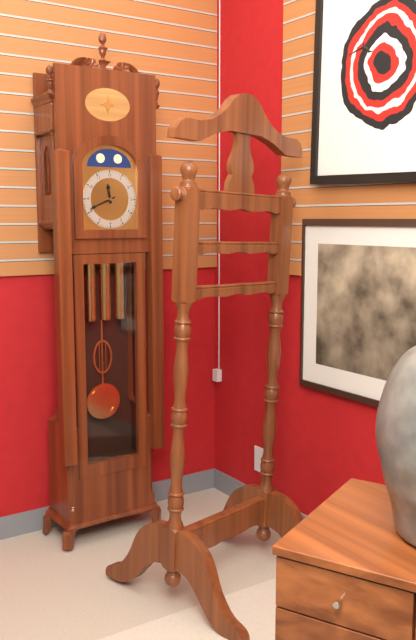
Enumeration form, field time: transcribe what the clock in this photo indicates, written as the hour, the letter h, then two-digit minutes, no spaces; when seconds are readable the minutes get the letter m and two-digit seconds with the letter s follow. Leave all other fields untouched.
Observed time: 11h41
